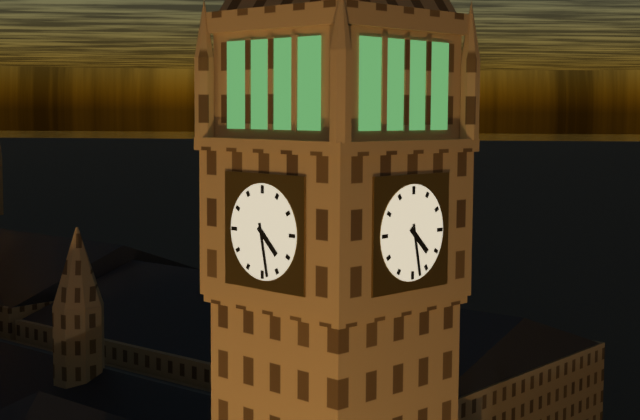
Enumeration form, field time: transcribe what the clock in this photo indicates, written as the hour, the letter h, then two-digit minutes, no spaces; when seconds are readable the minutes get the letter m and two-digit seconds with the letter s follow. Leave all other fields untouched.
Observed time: 4h28
